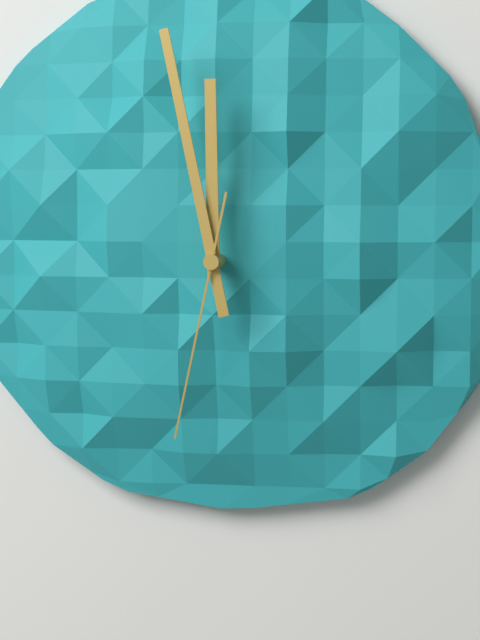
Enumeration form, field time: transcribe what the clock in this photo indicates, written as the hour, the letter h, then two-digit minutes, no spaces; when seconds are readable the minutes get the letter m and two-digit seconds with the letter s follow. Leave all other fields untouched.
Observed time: 11h58m32s
